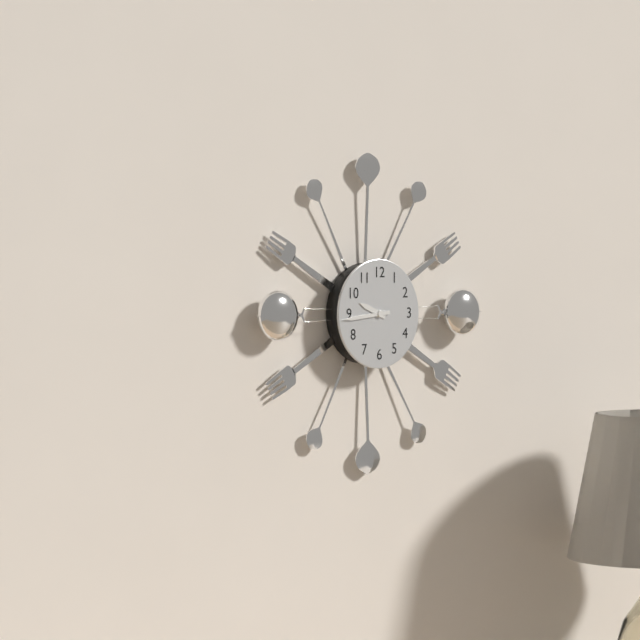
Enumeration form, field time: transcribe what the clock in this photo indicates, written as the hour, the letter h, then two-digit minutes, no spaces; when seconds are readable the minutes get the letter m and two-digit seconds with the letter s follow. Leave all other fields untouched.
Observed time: 9h44
